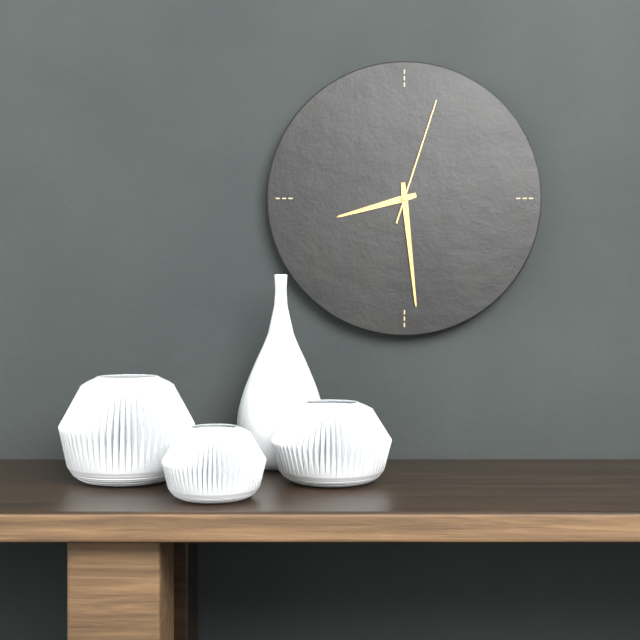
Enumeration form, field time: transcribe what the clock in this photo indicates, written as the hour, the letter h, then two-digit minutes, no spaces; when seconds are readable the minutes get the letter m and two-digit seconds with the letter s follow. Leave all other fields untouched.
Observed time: 8h29m03s
